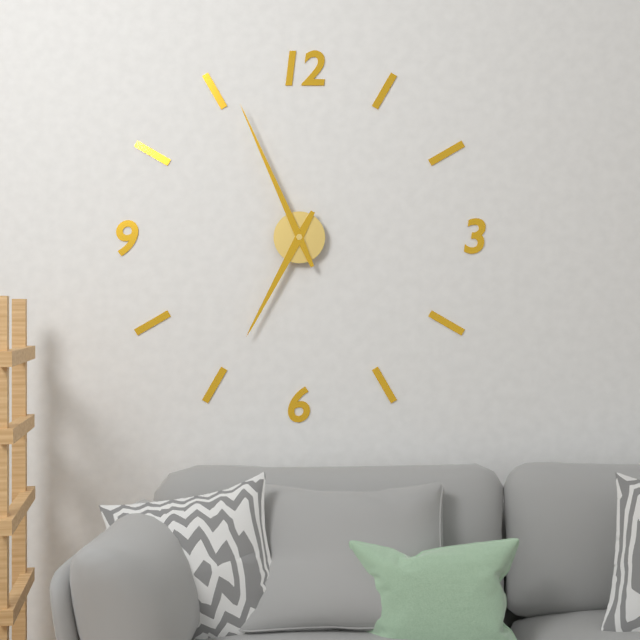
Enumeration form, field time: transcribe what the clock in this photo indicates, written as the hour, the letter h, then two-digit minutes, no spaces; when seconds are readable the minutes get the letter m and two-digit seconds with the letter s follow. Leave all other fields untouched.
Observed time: 6h56
